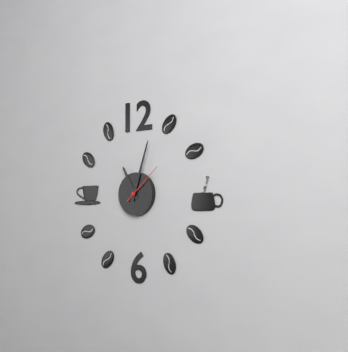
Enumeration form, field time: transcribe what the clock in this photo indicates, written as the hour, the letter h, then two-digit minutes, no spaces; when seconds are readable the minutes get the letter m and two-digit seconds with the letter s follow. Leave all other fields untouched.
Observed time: 11h03
